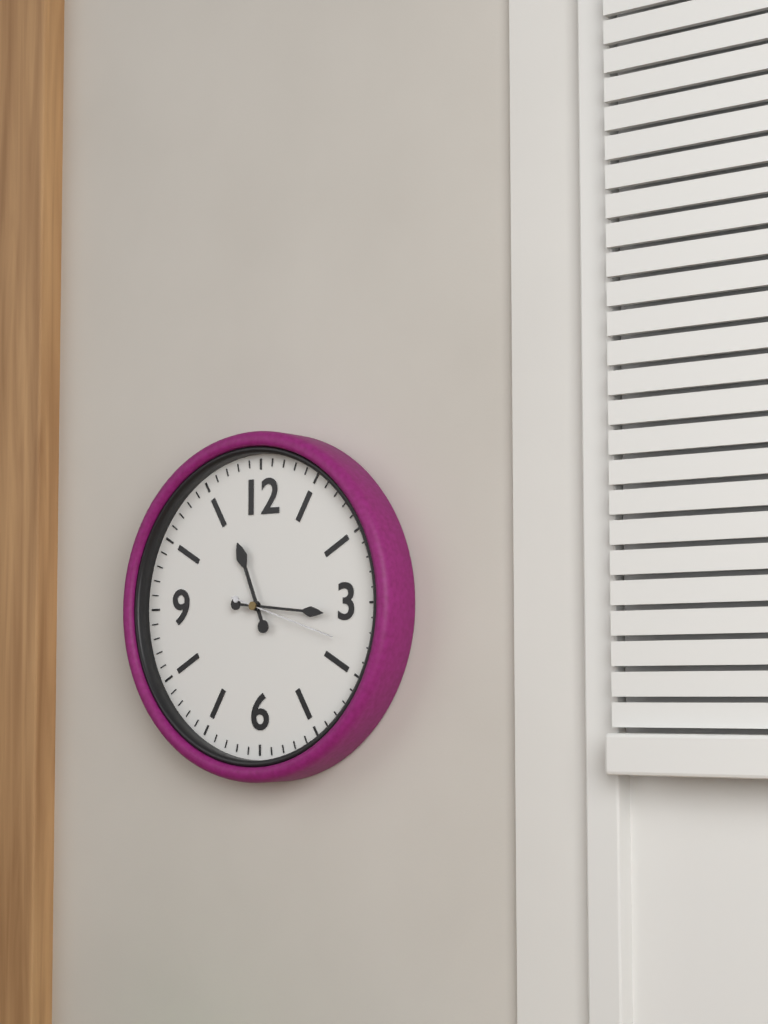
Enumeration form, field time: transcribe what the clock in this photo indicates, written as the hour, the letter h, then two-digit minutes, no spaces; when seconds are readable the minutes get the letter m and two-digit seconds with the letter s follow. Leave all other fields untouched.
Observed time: 11h16m18s
